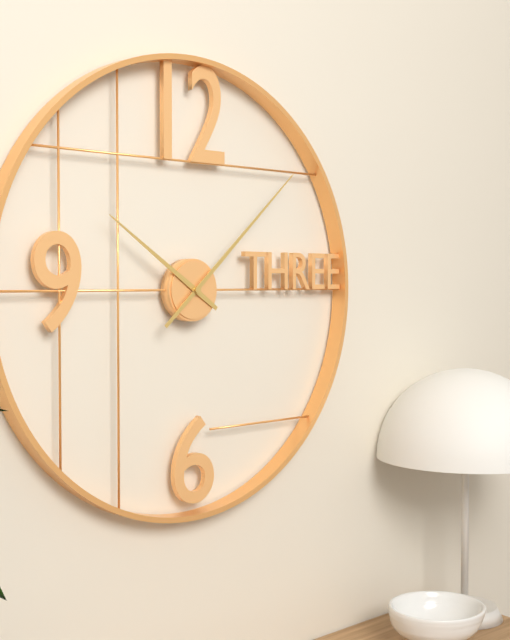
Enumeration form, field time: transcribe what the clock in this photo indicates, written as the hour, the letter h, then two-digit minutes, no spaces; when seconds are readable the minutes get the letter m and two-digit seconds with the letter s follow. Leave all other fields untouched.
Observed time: 10h08
